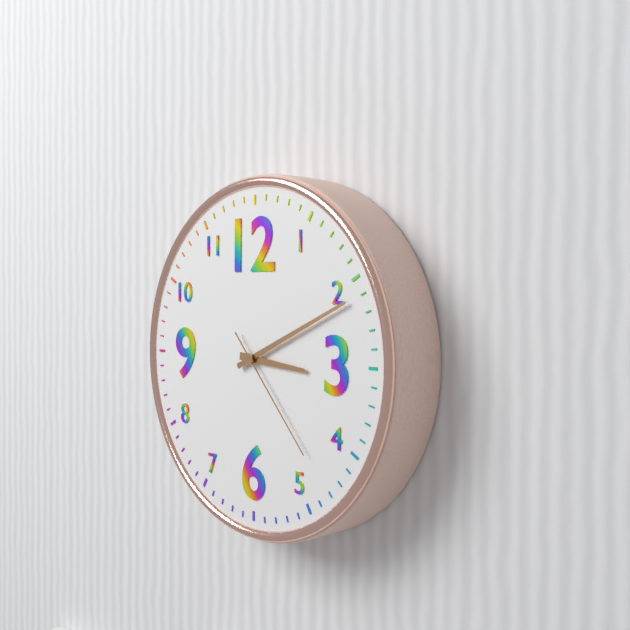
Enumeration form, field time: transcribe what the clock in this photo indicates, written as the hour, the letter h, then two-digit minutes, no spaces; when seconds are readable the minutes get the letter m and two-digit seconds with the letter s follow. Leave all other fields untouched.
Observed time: 3h11m23s
